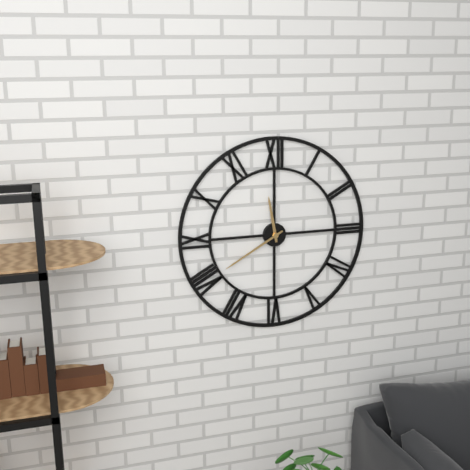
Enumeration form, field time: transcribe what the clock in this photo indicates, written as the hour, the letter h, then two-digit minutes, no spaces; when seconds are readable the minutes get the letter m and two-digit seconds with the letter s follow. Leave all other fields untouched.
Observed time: 11h40
